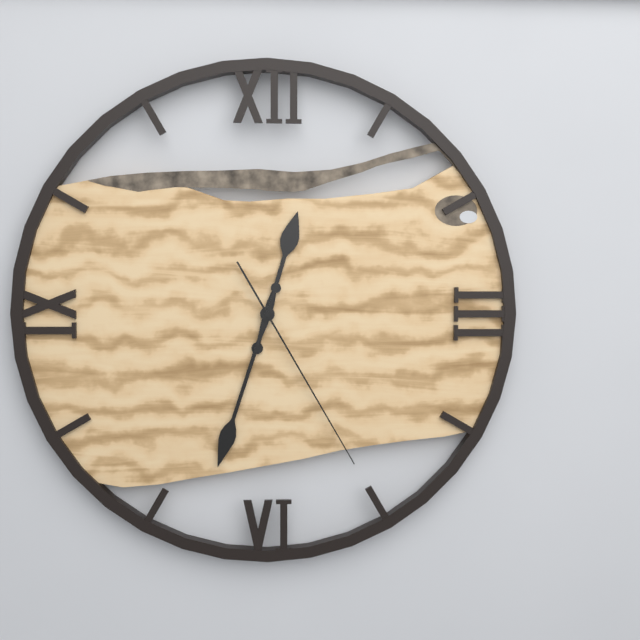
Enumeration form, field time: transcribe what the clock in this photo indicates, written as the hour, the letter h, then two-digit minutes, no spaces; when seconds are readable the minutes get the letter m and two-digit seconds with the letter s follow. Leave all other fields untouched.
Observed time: 12h33m25s
